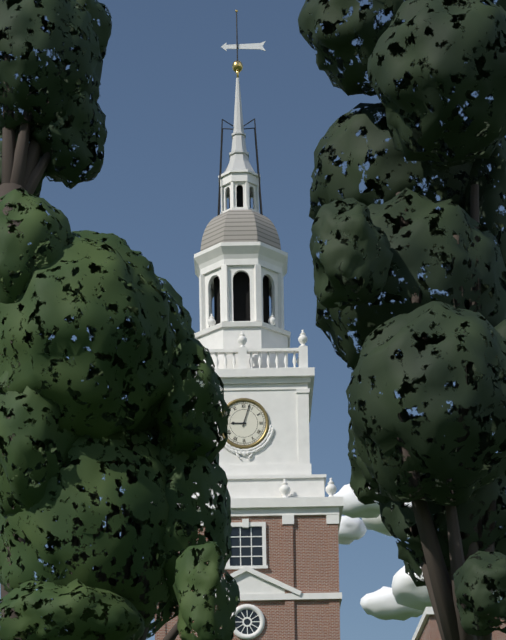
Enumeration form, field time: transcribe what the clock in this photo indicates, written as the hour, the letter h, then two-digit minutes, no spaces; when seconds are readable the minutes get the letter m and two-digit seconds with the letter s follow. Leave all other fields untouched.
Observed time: 9h03
